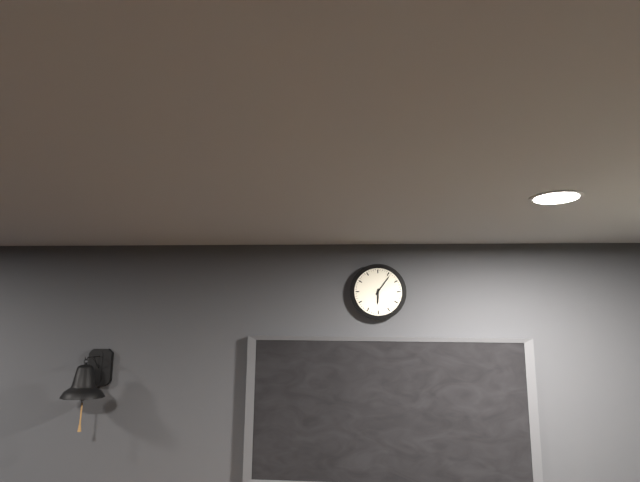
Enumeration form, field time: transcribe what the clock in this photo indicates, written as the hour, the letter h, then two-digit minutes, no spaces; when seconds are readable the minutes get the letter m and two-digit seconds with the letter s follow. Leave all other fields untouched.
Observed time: 6h06
